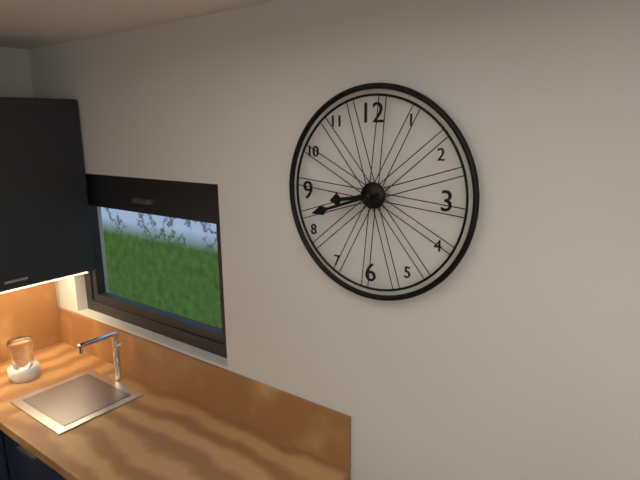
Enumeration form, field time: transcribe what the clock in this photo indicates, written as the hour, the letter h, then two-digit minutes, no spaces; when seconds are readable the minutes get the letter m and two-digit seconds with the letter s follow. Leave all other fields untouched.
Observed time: 8h42
